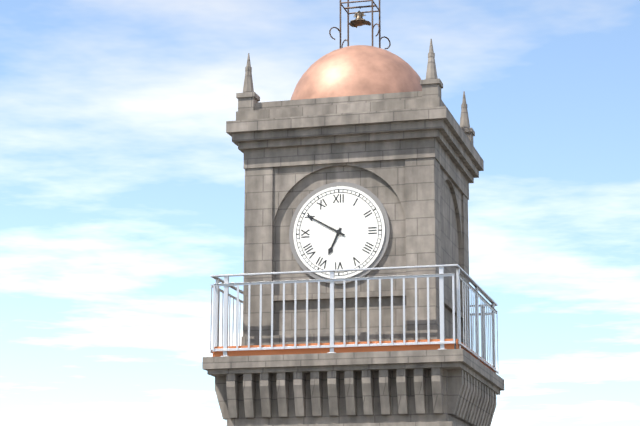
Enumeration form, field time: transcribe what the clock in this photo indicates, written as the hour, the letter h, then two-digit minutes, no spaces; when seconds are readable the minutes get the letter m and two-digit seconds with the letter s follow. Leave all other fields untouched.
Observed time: 6h50
